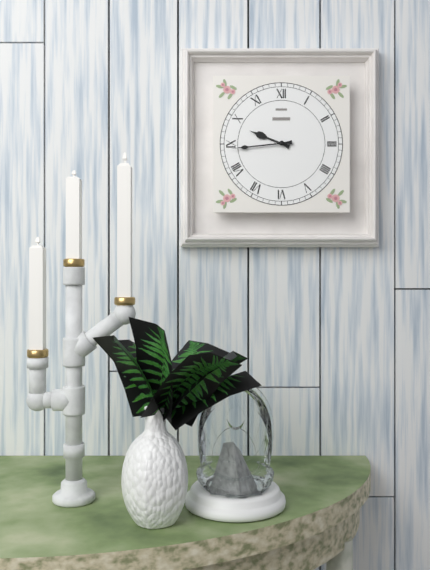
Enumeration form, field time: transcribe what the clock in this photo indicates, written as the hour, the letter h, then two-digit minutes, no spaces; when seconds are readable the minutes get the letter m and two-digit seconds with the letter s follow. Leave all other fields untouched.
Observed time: 9h44
